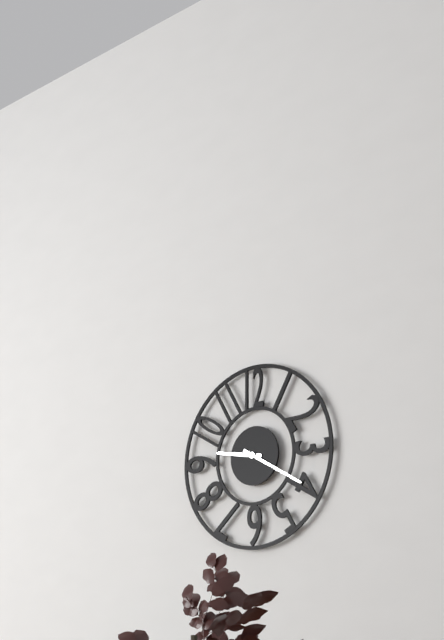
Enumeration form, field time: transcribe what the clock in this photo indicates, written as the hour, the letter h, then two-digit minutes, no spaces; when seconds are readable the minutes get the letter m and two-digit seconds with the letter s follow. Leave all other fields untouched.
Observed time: 9h20
